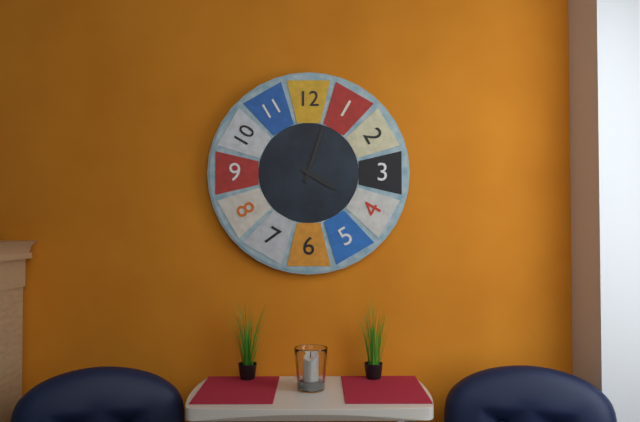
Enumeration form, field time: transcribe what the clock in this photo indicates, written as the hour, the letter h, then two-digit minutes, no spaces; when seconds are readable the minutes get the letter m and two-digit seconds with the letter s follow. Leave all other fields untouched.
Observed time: 4h03
